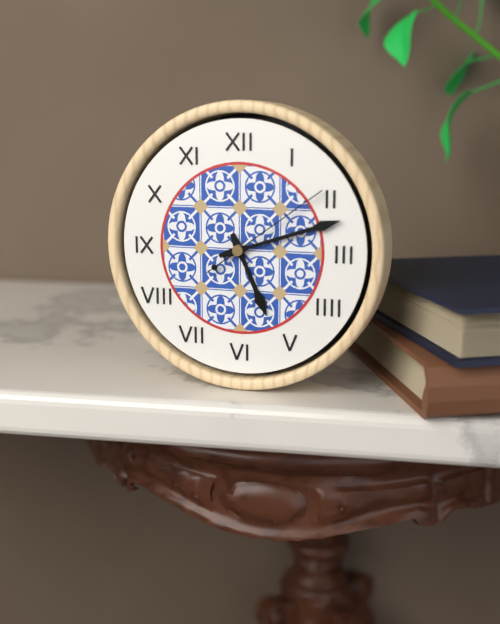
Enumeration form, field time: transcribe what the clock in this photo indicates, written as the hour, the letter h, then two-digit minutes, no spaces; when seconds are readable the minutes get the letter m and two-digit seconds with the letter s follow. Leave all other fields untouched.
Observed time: 5h12m09s
